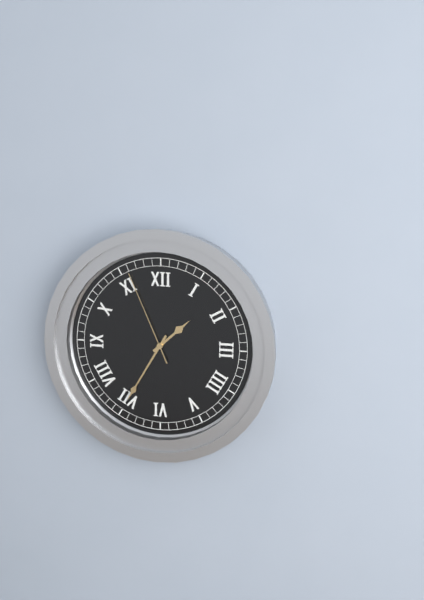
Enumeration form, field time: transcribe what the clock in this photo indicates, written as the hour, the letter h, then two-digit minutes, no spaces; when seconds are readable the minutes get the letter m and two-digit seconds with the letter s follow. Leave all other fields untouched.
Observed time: 1h35m56s
